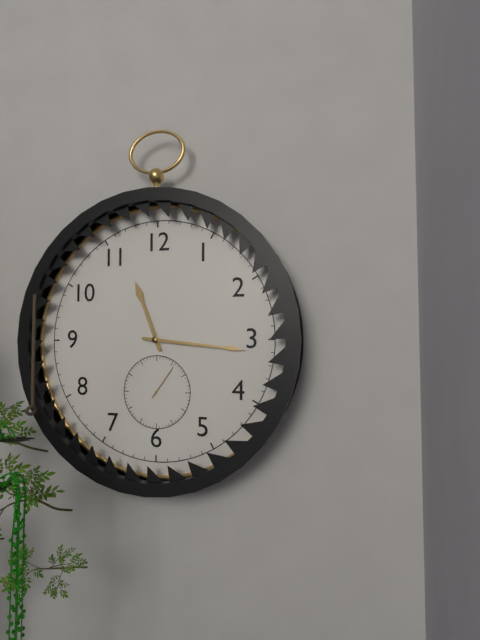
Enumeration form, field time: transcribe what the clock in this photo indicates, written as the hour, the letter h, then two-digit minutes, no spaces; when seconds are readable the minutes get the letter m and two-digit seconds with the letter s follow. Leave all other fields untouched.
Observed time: 11h16
